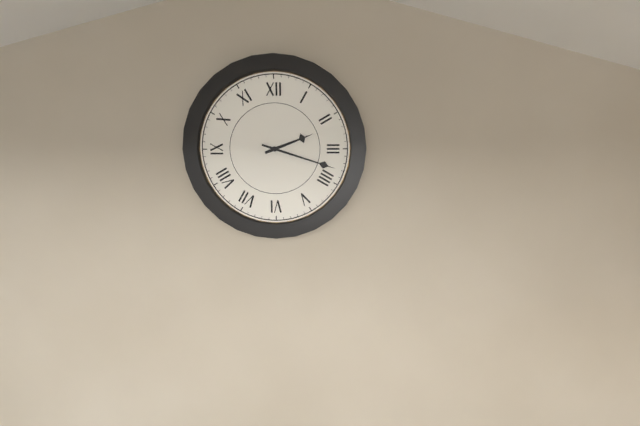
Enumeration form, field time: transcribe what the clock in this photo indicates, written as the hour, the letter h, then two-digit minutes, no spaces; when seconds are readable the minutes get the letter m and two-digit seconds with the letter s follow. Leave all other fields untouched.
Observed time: 2h18
